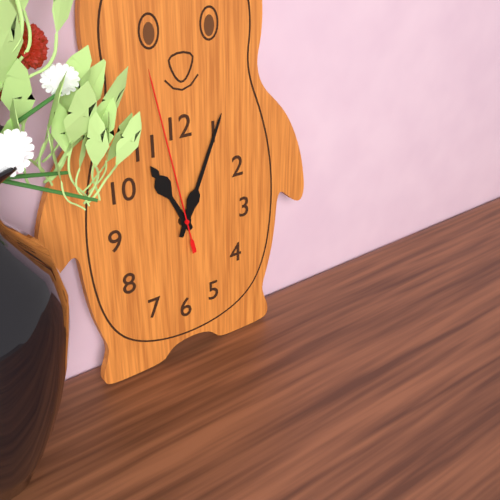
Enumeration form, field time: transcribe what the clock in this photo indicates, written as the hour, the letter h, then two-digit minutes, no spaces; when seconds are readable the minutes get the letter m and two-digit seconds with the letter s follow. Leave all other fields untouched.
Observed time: 11h04m58s
